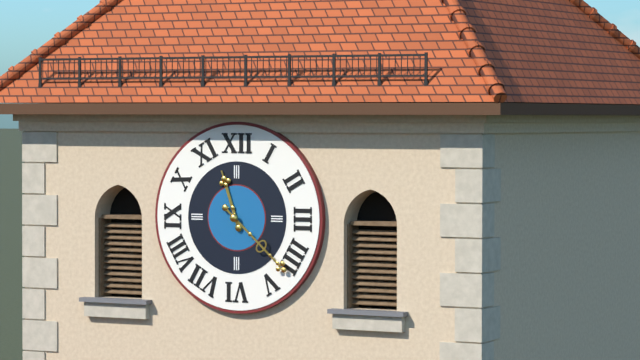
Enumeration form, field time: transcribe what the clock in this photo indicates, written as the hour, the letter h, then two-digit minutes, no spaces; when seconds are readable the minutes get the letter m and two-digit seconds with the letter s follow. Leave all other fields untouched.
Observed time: 11h22
